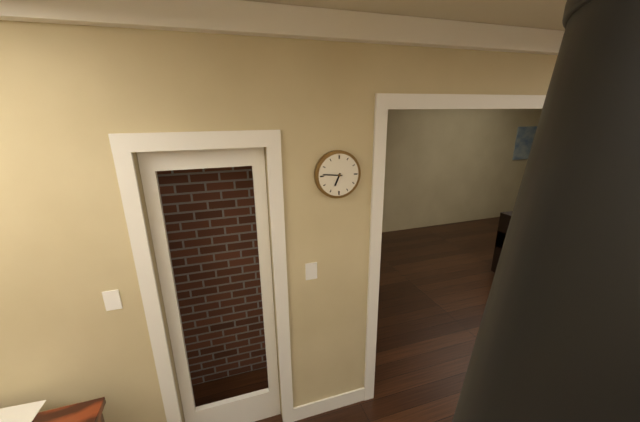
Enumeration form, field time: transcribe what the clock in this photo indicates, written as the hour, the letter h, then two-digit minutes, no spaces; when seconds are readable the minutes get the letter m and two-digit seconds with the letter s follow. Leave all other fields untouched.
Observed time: 6h46
